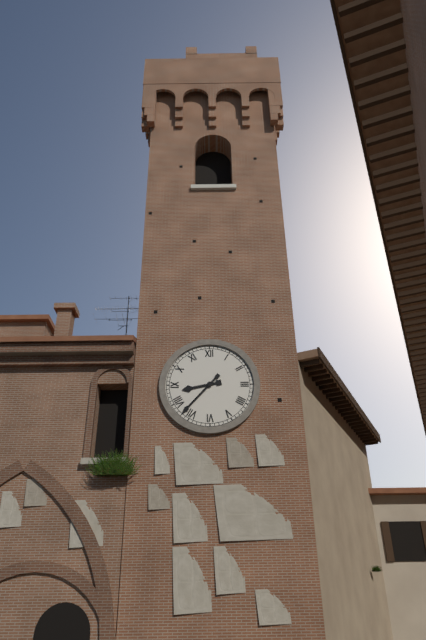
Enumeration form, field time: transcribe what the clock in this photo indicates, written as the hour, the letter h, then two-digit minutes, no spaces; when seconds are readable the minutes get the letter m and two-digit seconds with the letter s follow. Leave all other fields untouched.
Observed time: 8h37
